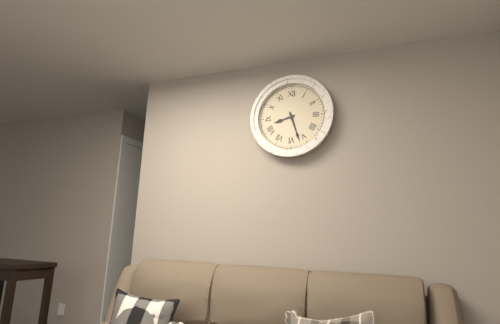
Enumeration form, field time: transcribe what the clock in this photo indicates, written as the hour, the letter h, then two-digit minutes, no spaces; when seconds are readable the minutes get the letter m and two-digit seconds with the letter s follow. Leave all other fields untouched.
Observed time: 8h27
